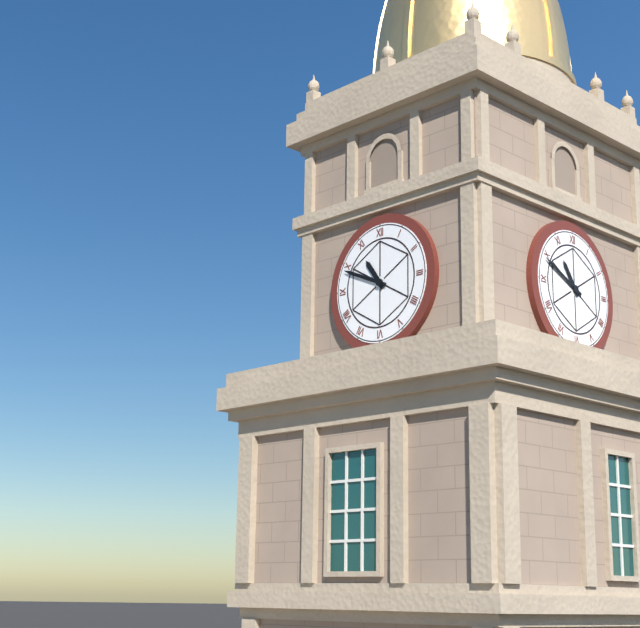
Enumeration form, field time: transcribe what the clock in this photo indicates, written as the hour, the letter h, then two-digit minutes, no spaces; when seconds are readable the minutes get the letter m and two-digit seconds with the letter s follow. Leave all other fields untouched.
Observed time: 10h49
